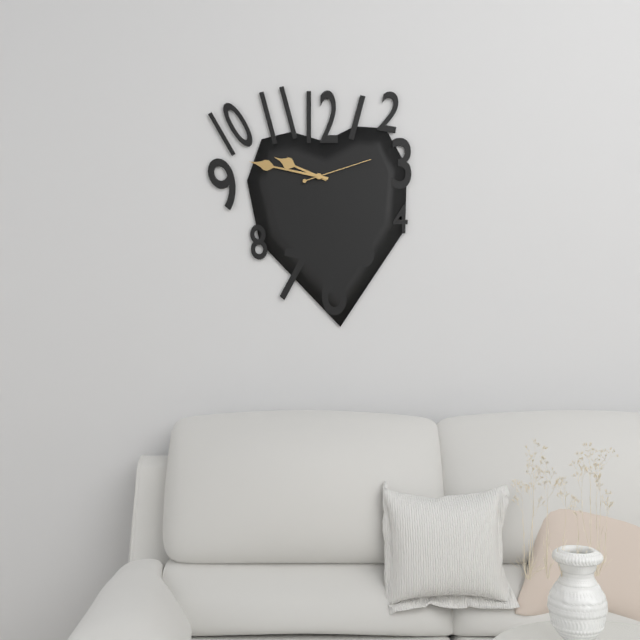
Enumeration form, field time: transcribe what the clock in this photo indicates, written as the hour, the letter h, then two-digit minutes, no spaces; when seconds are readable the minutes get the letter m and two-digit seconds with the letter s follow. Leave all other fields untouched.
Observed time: 9h47m12s
